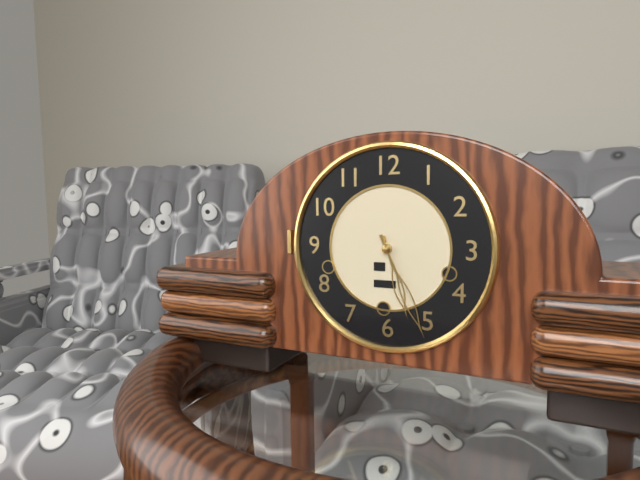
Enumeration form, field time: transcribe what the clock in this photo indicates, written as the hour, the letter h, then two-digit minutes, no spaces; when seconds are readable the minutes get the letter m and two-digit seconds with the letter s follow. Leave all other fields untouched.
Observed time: 5h26
